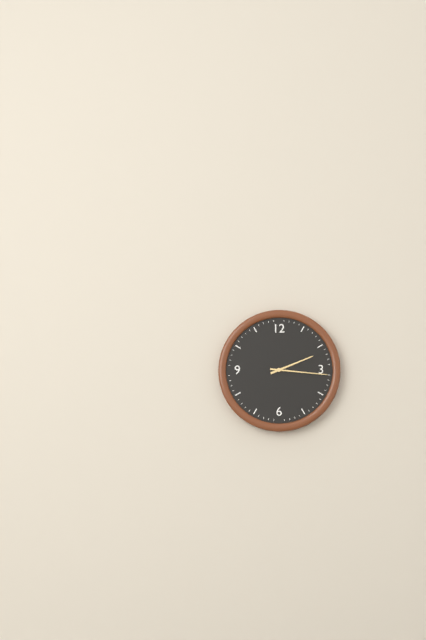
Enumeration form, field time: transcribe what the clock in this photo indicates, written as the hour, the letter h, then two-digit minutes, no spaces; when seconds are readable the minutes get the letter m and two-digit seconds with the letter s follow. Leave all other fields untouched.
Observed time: 2h16
